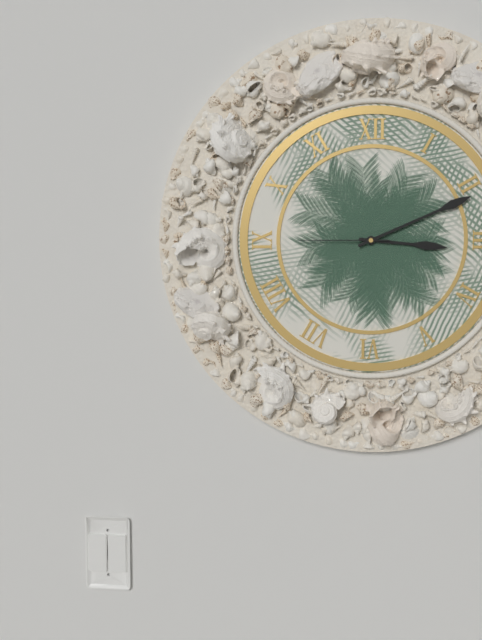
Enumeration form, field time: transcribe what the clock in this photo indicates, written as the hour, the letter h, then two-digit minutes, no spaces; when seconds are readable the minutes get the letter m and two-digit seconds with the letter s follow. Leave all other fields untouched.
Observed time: 3h11m45s
